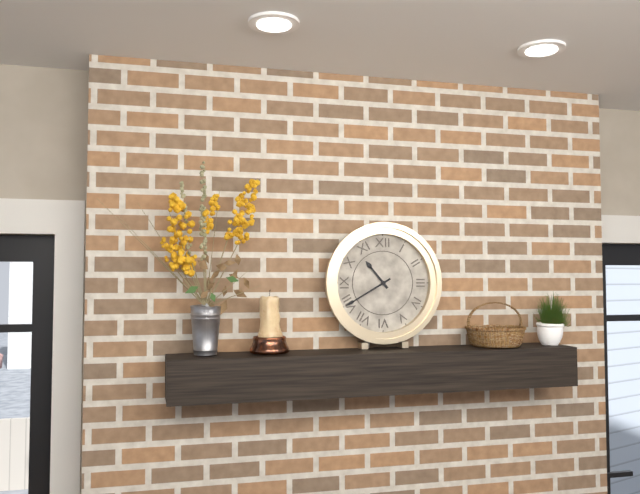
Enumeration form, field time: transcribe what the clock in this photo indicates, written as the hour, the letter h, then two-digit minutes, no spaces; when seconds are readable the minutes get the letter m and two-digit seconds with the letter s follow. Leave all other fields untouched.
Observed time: 10h40
